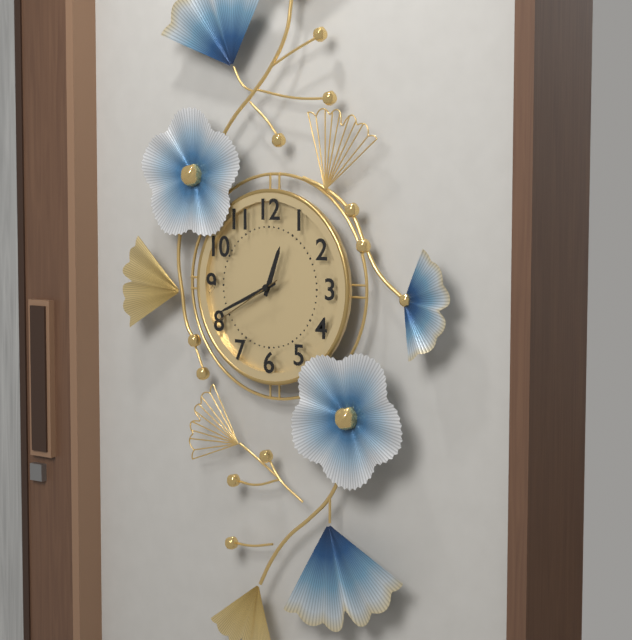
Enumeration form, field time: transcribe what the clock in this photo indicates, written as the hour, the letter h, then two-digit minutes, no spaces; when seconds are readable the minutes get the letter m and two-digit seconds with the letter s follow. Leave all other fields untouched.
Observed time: 12h41m40s
